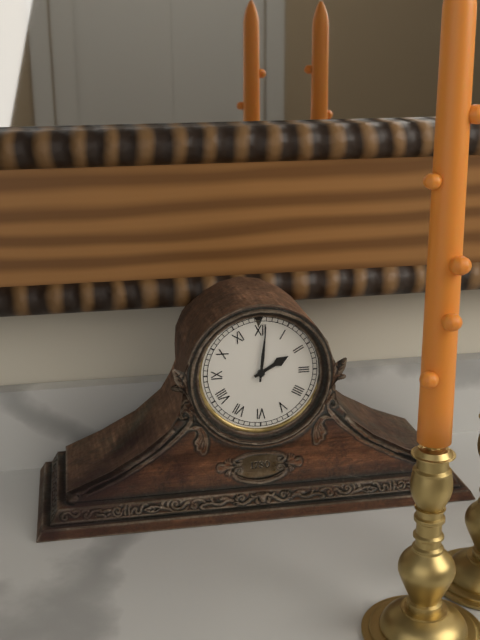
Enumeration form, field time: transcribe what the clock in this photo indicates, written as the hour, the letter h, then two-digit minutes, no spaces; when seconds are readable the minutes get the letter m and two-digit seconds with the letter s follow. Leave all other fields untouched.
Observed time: 2h01
